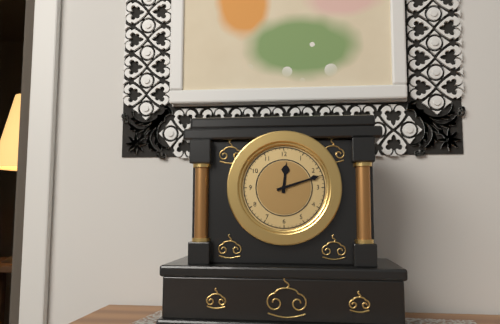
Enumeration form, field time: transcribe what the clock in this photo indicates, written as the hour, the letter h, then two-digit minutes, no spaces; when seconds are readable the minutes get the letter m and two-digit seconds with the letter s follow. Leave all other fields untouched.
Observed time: 12h12
